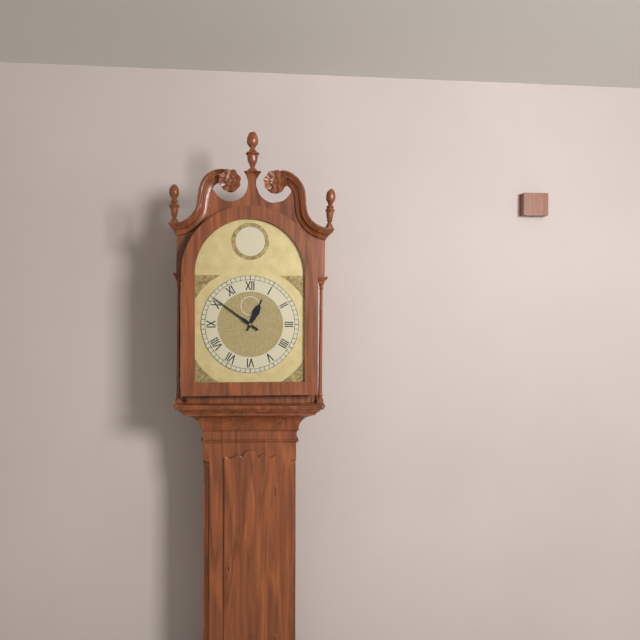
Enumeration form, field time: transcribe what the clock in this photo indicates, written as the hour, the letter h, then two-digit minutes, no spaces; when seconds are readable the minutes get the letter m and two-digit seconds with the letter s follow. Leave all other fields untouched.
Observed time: 12h51
